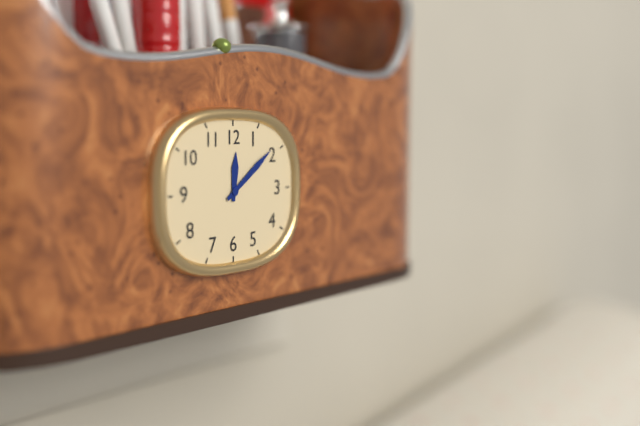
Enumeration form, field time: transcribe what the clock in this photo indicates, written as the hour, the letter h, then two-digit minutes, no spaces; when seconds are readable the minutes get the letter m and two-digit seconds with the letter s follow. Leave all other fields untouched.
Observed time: 12h09
